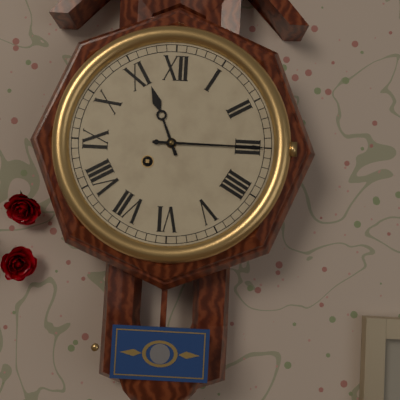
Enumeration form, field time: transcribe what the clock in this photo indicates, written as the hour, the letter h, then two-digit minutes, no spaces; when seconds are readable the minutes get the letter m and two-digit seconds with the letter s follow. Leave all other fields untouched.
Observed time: 11h15
